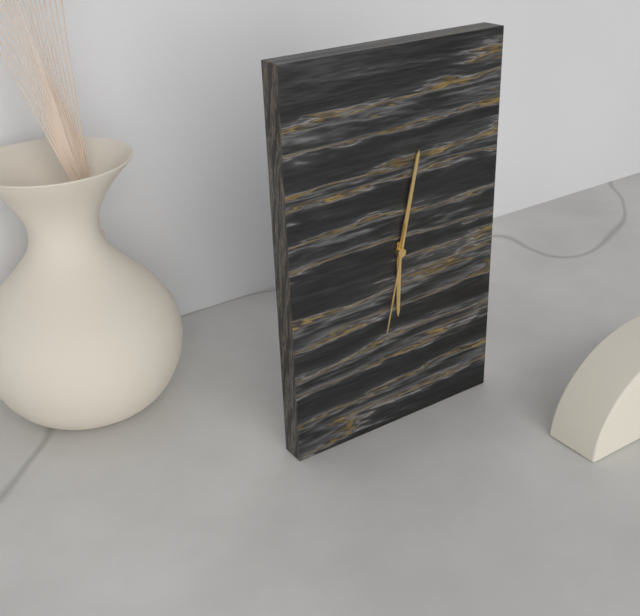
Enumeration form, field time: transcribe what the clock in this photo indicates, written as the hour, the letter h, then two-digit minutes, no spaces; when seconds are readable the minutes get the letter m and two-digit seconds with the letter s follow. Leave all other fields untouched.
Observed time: 6h02m32s
